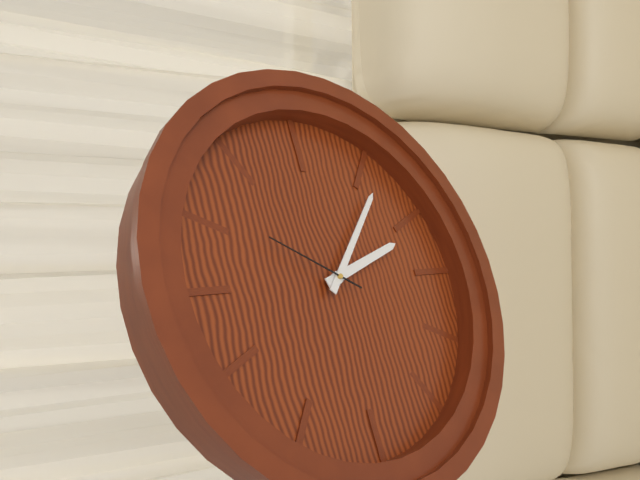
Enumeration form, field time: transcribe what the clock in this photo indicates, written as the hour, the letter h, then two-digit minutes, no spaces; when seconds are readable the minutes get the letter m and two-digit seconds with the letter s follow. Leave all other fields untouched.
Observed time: 5h22m05s
